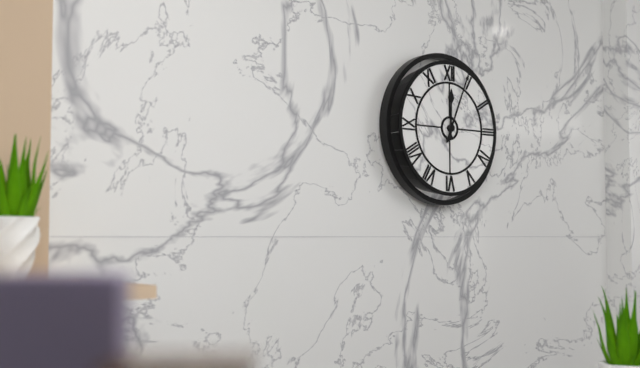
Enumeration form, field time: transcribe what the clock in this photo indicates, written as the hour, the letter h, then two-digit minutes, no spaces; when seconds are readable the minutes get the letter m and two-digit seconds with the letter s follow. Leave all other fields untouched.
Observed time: 12h04
